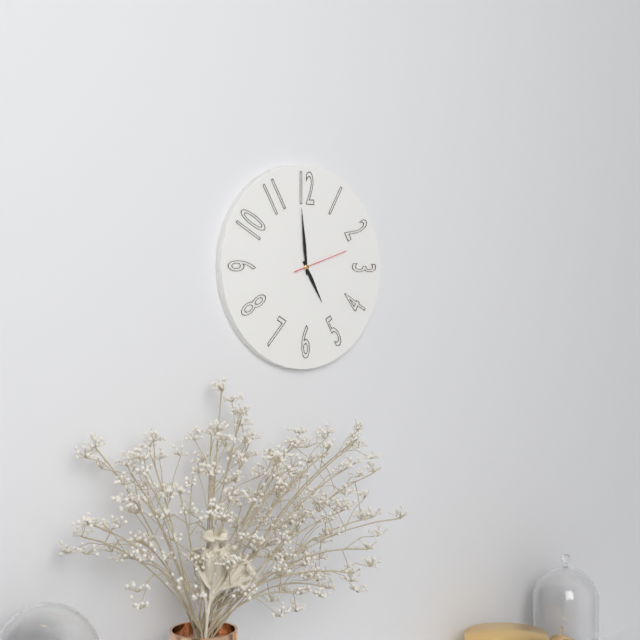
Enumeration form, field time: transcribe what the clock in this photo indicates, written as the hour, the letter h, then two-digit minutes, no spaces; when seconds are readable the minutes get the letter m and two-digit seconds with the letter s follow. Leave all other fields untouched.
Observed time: 4h59m12s
